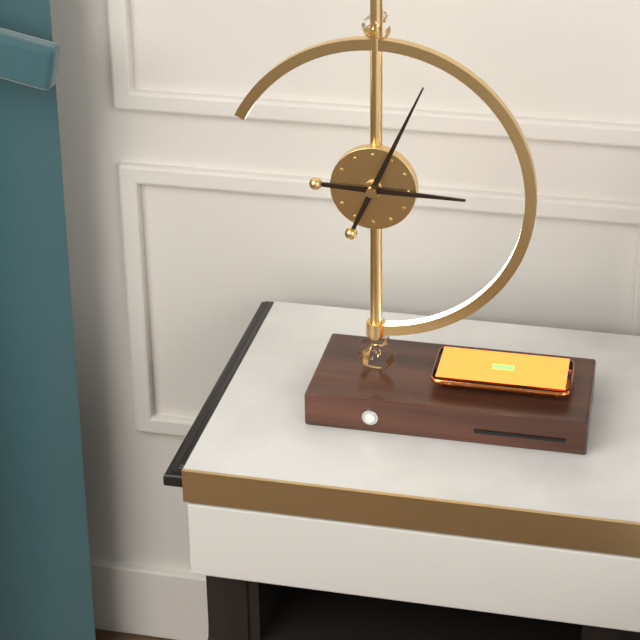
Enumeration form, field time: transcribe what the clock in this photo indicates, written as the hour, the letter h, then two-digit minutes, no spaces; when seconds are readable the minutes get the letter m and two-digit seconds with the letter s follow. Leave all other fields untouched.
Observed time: 3h04
